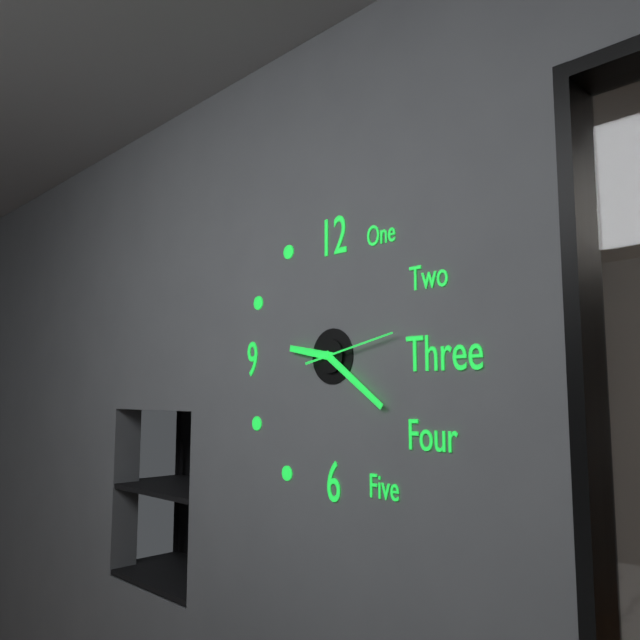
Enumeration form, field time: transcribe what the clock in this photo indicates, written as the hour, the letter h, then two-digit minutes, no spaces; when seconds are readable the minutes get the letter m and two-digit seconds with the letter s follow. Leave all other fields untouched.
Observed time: 9h21m13s
